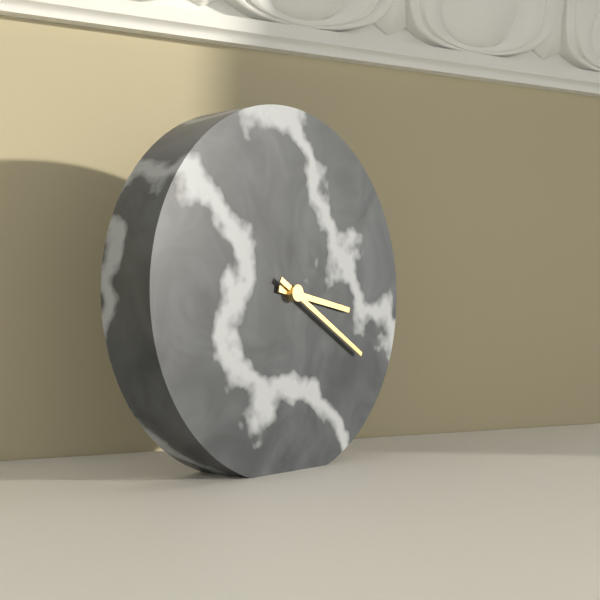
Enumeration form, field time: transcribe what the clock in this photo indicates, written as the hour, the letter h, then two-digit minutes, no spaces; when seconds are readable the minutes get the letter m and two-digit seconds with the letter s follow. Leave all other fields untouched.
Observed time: 3h20
